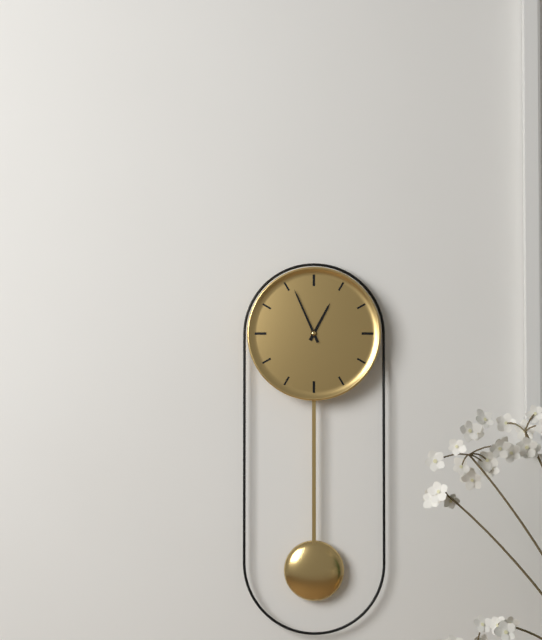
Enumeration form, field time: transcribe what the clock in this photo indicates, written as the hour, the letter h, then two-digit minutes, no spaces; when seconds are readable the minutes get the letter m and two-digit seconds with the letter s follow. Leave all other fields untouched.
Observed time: 12h56
